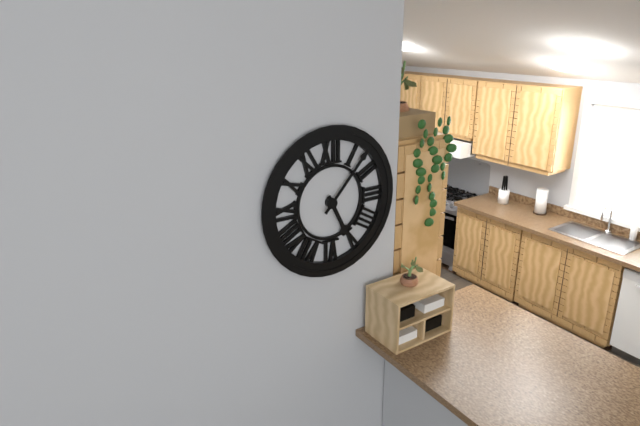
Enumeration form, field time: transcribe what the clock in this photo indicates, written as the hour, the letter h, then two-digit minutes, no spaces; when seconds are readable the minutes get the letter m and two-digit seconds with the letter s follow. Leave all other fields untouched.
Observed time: 5h07
